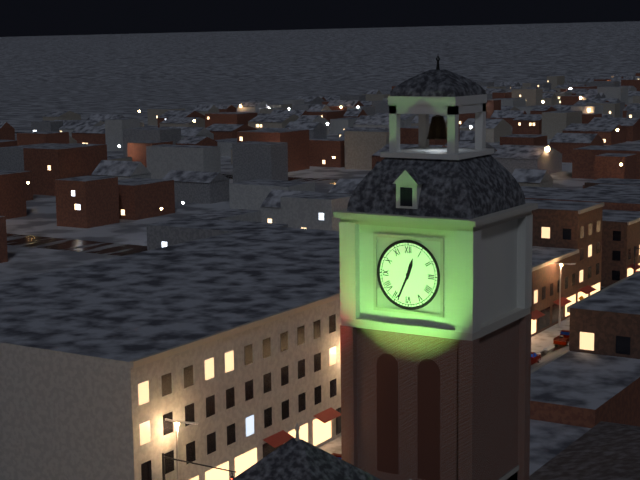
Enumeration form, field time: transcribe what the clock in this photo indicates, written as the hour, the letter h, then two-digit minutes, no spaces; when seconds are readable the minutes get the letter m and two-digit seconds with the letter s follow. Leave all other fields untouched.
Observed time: 12h34
